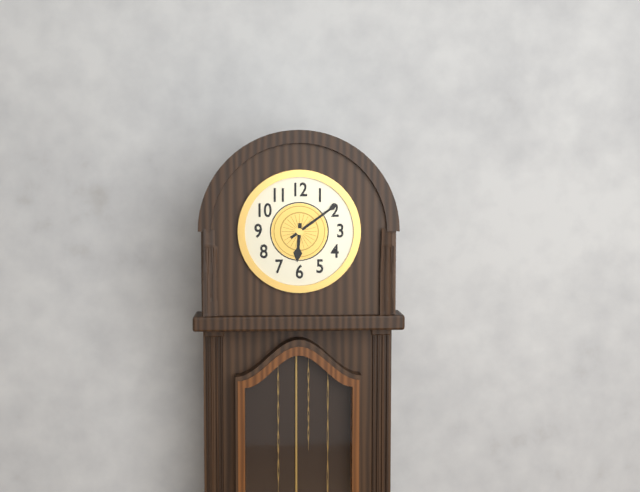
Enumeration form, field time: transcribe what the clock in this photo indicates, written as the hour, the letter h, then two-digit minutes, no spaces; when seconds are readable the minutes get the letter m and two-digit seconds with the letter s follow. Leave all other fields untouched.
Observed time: 6h09
